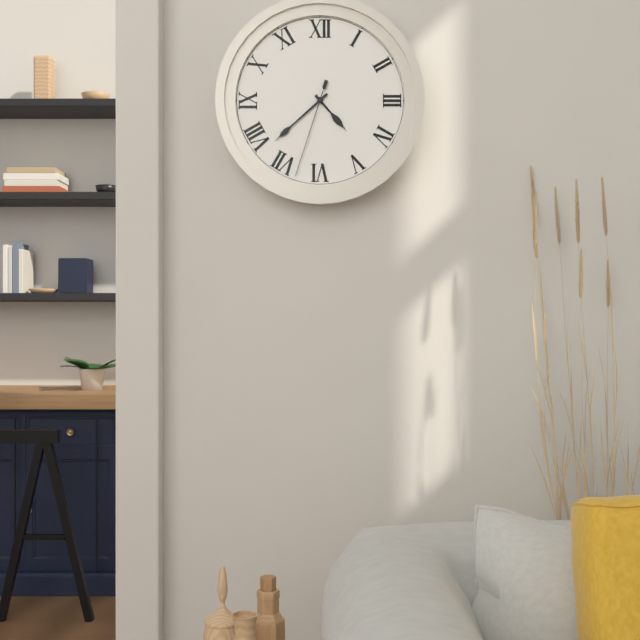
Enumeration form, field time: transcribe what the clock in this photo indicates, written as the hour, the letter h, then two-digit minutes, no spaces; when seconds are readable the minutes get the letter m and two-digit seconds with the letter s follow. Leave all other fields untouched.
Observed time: 4h38m33s
